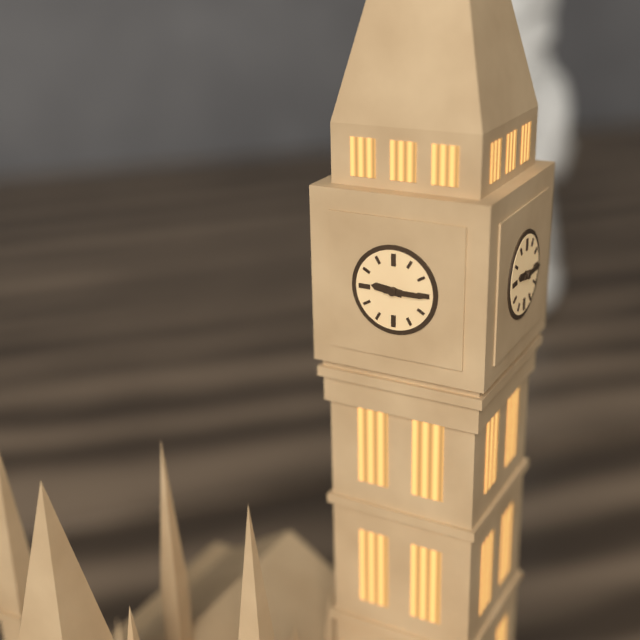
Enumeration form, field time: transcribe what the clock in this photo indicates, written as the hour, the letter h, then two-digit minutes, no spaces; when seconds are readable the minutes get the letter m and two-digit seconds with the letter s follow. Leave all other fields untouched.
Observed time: 9h15
